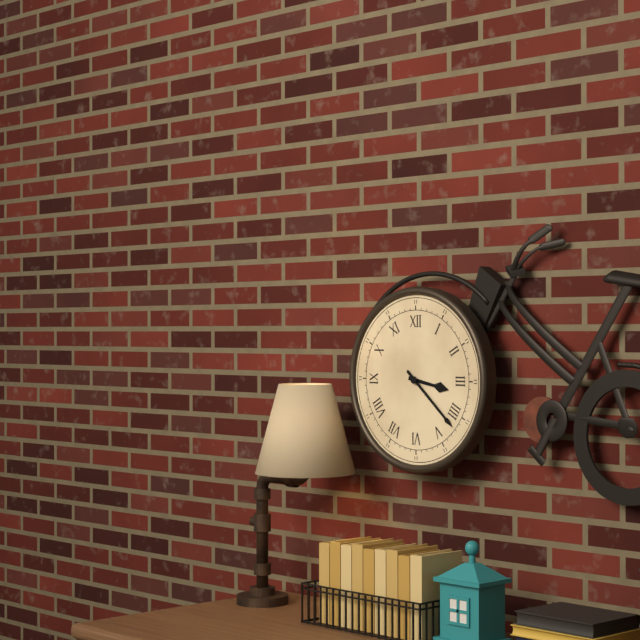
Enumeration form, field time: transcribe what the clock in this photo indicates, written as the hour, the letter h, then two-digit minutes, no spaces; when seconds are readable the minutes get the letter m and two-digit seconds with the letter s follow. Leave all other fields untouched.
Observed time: 3h22
